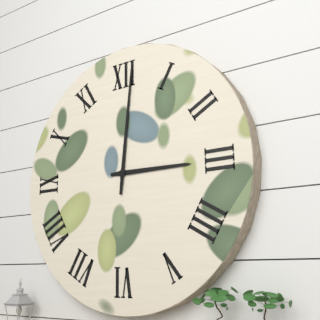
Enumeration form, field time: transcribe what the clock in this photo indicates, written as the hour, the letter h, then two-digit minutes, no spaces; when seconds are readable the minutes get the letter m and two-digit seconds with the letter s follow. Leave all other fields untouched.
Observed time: 3h01
